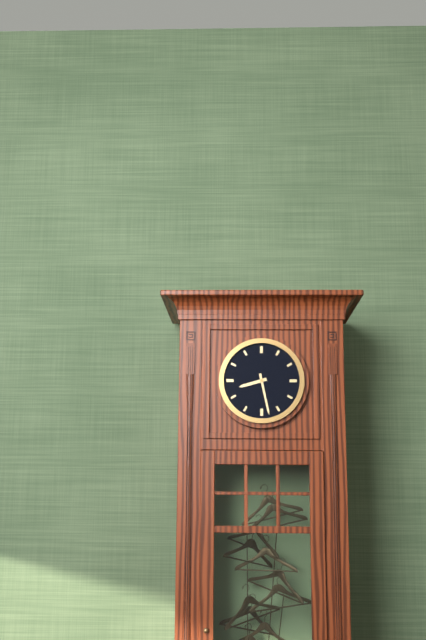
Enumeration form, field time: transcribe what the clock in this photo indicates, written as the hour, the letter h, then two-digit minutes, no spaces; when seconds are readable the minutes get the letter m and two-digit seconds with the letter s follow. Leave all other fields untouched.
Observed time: 8h28
